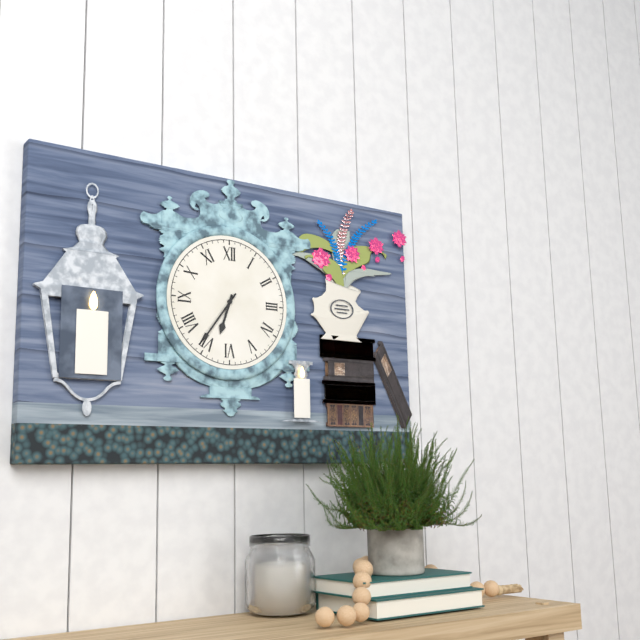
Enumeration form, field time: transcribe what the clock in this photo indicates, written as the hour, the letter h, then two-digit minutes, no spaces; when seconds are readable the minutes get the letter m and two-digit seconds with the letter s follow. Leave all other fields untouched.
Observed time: 6h36
